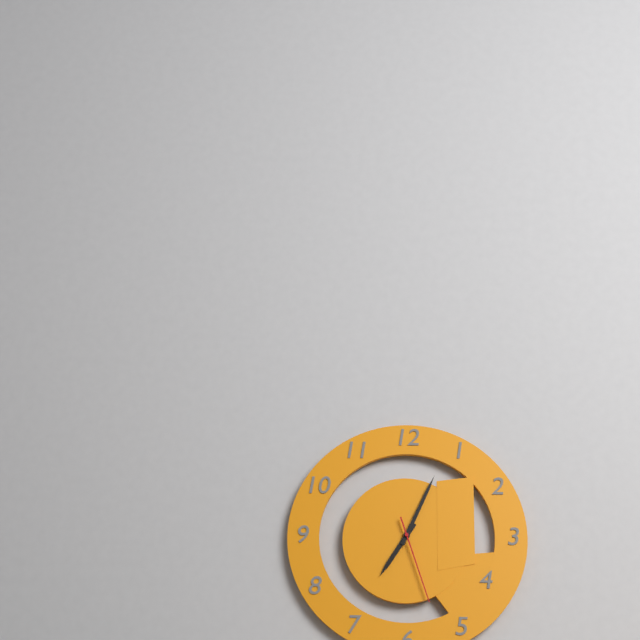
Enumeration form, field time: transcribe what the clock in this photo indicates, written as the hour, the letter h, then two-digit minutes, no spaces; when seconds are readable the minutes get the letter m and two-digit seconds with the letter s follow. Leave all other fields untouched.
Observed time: 7h04m27s
